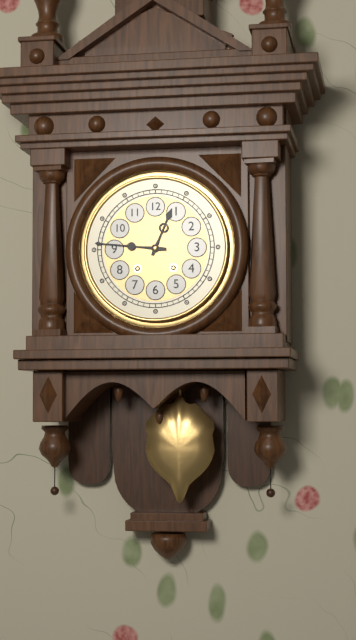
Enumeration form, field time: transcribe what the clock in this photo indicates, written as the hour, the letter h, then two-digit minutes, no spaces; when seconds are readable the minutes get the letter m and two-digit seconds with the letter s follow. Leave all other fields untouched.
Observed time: 12h46
